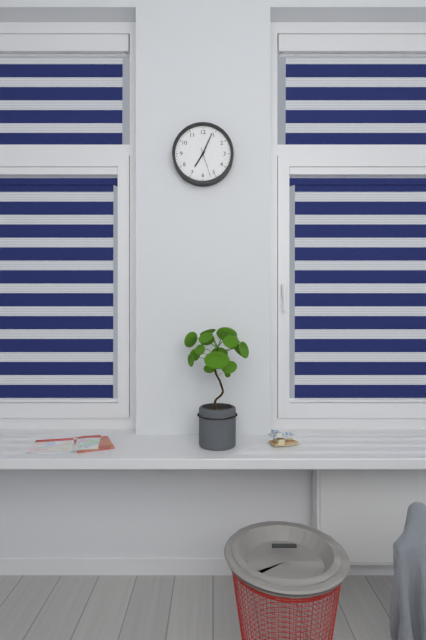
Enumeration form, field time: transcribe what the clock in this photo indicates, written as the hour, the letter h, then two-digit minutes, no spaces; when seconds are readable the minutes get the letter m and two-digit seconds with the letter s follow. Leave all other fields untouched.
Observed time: 7h04
